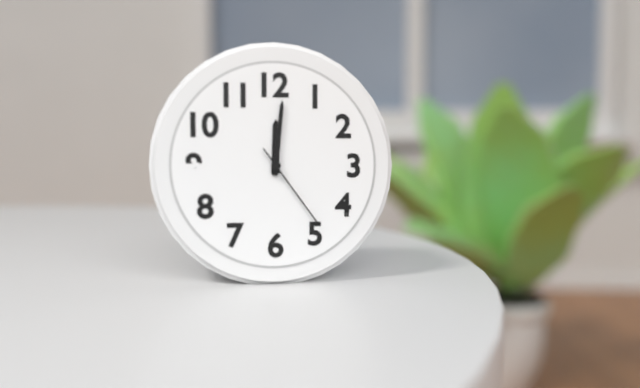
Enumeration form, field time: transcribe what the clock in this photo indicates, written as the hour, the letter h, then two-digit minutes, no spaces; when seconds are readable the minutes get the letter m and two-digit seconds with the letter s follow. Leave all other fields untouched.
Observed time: 12h01m24s
